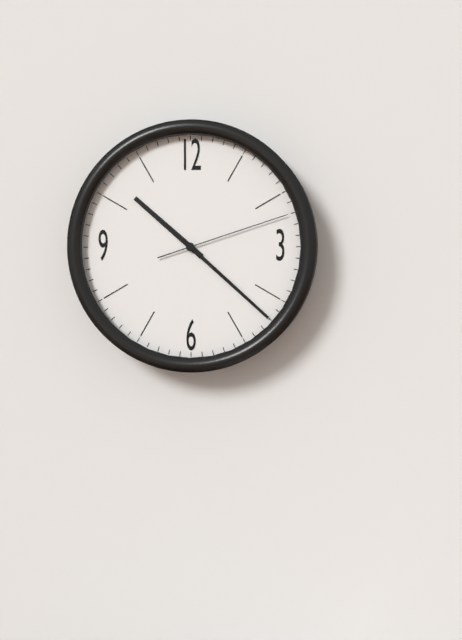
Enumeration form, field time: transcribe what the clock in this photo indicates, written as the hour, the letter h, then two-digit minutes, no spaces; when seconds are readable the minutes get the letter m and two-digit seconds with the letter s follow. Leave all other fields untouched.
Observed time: 10h22m12s
